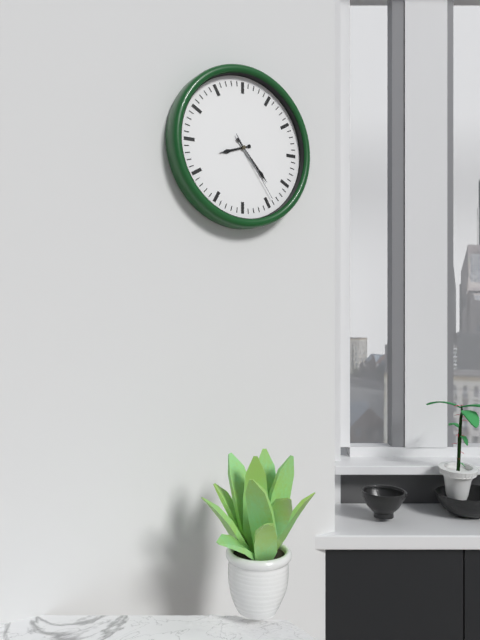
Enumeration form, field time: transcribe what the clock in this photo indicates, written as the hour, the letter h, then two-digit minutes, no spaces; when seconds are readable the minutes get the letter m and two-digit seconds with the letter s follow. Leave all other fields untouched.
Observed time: 8h23m24s
